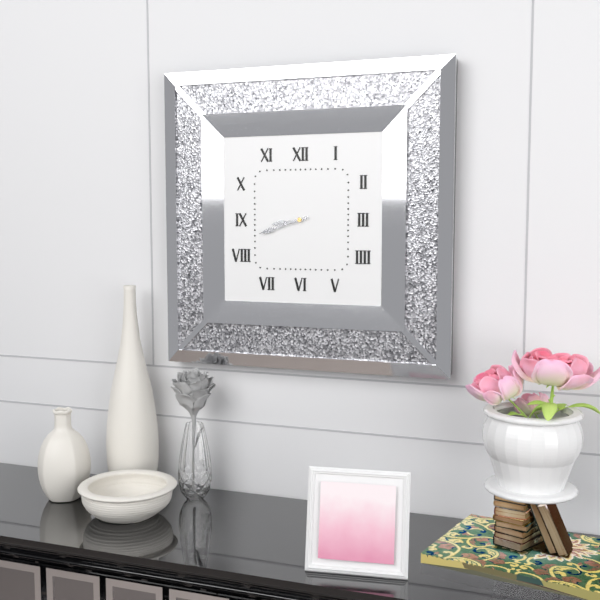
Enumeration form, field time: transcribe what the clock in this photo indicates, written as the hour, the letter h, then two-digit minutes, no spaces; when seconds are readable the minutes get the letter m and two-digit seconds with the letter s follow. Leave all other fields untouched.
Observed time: 8h42
